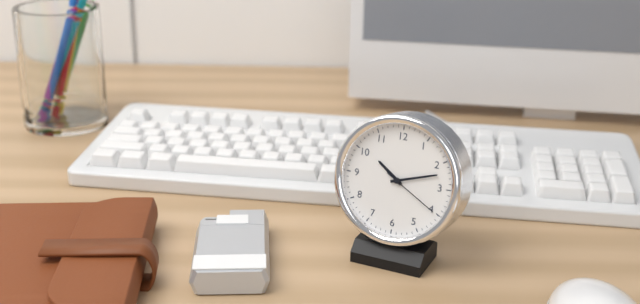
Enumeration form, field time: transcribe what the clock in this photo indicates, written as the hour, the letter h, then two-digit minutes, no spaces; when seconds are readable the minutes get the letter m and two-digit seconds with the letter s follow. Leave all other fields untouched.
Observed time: 10h12m20s
